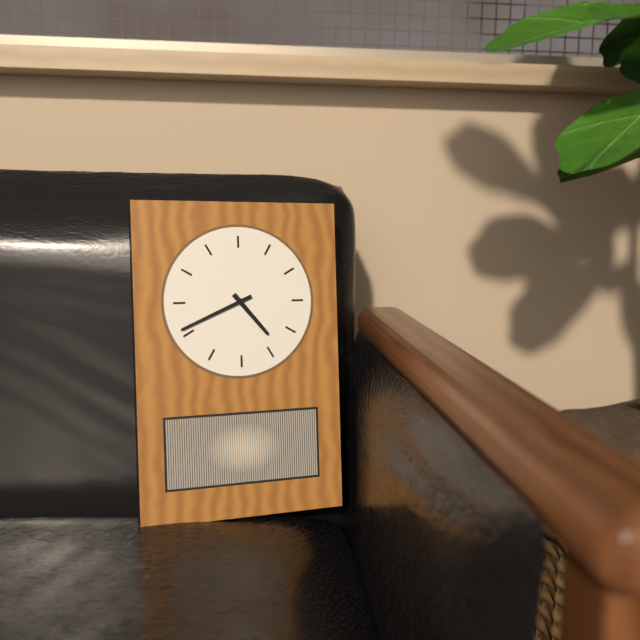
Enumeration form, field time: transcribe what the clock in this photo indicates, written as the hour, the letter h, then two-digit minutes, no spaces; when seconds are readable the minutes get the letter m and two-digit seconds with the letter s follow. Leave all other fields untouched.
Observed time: 4h41
